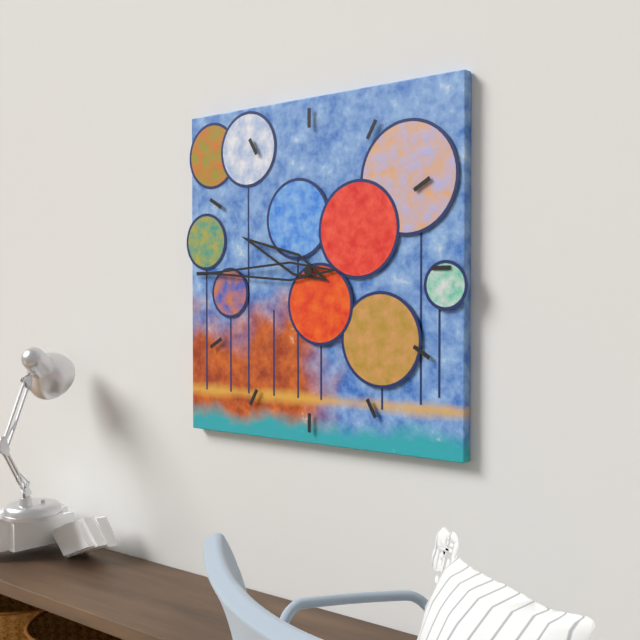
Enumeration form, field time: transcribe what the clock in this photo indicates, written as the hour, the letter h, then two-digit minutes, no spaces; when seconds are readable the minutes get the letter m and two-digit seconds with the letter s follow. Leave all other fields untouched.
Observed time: 9h45
